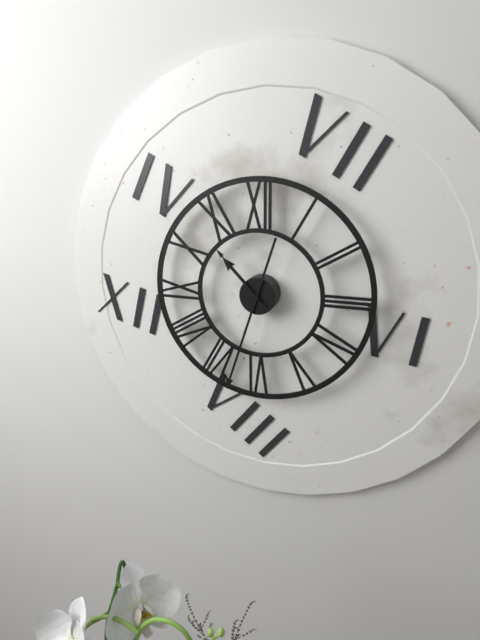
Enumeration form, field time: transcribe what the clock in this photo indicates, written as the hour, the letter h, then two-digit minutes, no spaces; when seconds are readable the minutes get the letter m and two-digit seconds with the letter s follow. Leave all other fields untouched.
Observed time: 10h33m53s
